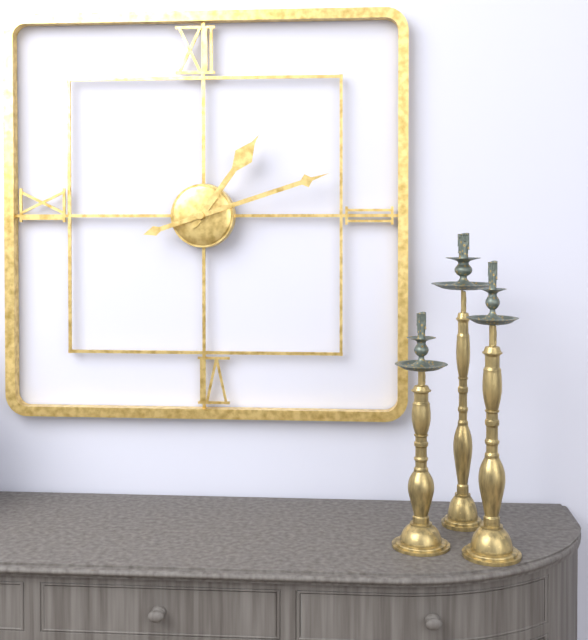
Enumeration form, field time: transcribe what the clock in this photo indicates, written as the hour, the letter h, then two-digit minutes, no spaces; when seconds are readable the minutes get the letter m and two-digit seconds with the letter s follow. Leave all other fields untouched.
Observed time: 1h12
